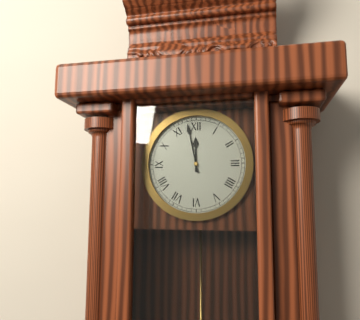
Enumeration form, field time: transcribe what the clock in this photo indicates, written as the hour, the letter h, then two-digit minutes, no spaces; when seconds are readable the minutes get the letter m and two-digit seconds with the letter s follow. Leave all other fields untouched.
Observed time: 11h58
